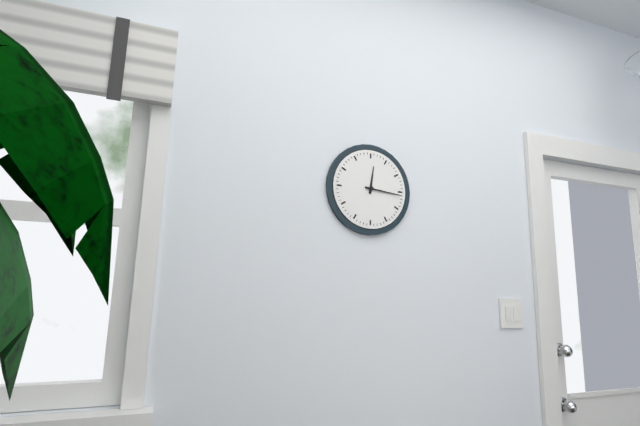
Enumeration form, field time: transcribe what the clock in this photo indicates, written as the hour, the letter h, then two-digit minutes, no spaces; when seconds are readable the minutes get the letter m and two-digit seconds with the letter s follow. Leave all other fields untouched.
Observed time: 12h16
